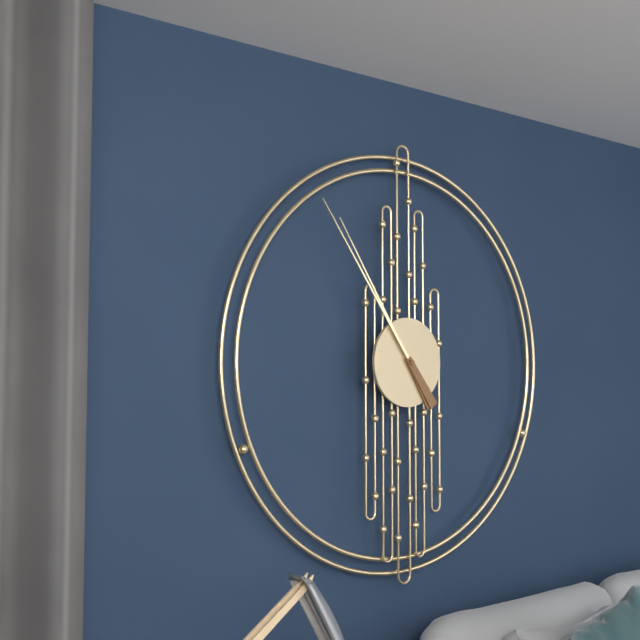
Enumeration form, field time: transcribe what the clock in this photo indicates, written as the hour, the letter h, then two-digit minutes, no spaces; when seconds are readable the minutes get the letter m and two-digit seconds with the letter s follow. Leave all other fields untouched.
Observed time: 10h54
